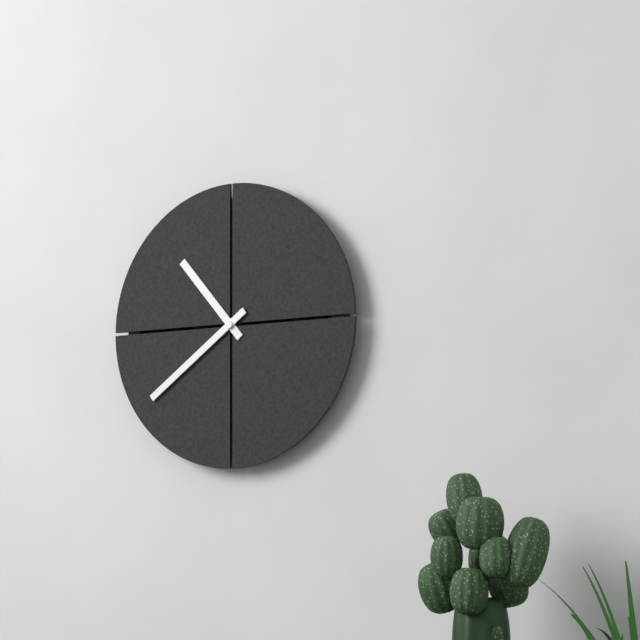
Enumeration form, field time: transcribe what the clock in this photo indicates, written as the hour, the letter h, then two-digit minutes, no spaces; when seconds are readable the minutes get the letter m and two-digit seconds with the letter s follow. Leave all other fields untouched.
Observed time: 10h39
